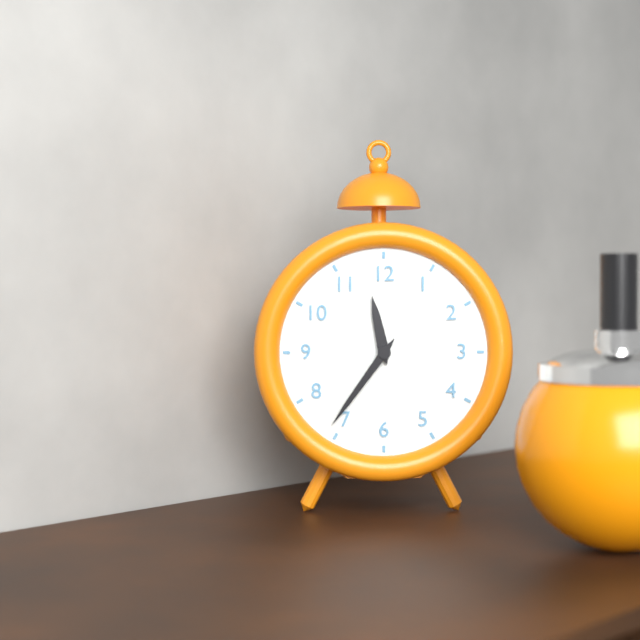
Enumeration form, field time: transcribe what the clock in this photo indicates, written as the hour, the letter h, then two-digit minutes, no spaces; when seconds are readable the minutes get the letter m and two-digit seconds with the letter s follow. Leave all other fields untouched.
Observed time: 11h36
